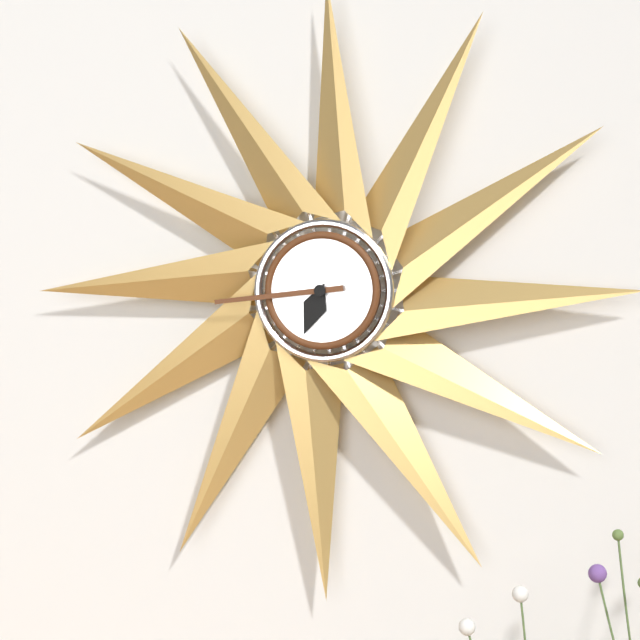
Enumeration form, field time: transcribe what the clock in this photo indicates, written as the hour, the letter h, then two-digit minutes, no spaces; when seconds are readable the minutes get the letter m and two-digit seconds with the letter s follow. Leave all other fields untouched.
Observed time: 6h44
